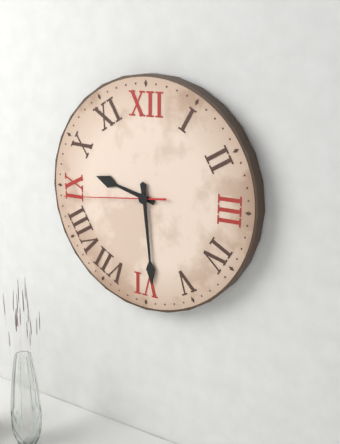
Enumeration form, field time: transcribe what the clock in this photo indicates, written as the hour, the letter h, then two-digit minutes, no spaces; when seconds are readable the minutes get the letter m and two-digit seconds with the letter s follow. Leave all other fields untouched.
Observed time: 9h29m44s
